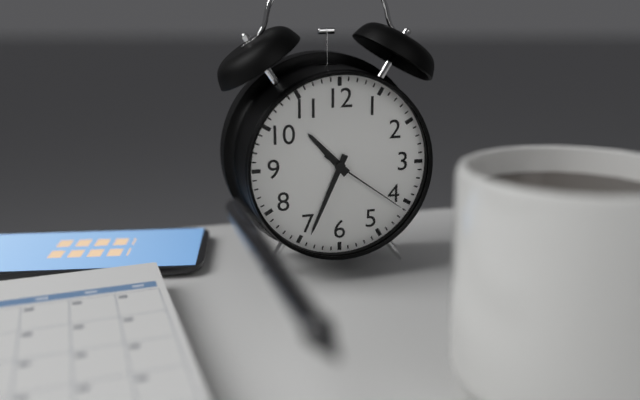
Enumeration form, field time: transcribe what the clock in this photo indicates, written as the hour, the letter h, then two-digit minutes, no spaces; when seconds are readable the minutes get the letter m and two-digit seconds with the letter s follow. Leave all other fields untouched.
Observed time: 10h34m21s
